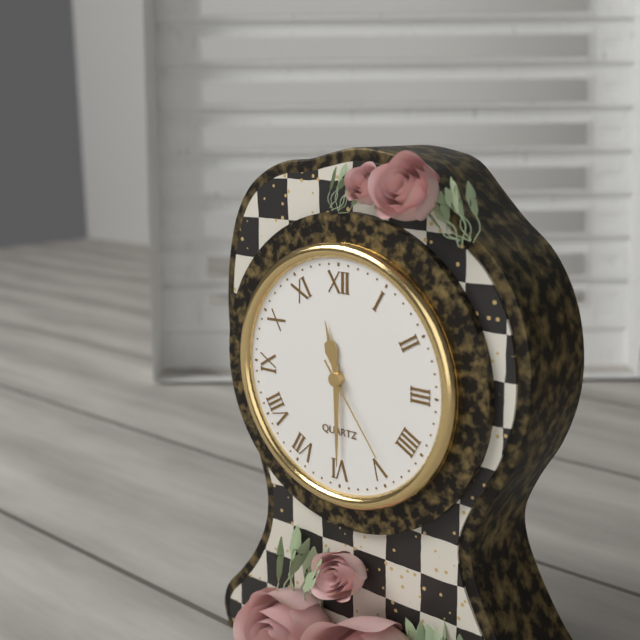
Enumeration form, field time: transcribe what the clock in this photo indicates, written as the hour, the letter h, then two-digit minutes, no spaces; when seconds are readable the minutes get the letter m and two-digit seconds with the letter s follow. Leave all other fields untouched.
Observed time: 11h30m24s
